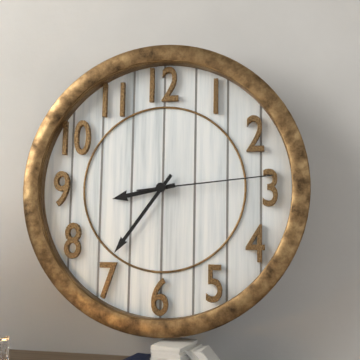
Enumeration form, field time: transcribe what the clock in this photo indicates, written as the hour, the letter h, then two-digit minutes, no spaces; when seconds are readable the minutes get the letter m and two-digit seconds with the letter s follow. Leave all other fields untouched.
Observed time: 8h36m14s
